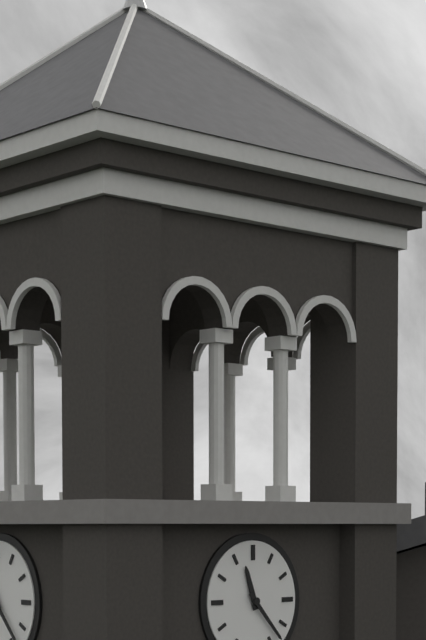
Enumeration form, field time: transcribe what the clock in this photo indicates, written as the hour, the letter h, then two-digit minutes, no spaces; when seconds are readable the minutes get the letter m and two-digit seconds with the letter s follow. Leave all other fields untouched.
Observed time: 11h23
